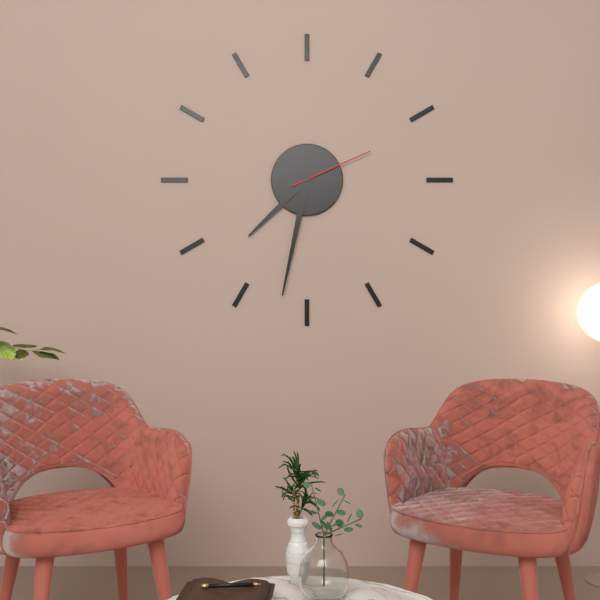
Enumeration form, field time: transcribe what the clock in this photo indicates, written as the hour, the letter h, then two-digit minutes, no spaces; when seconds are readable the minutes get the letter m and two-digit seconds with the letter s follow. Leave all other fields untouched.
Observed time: 7h32m11s
